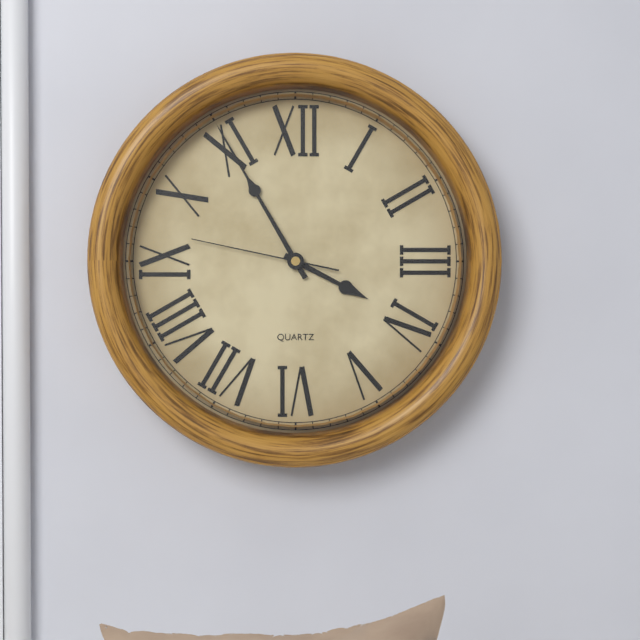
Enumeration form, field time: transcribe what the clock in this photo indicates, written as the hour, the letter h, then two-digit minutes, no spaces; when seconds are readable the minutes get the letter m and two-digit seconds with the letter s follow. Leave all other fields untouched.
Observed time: 3h55m47s
